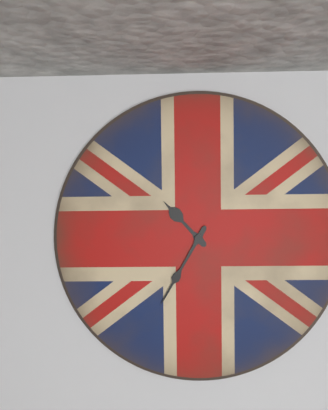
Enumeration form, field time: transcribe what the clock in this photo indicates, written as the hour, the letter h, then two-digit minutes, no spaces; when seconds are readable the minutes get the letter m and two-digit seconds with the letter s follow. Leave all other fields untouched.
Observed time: 10h35
